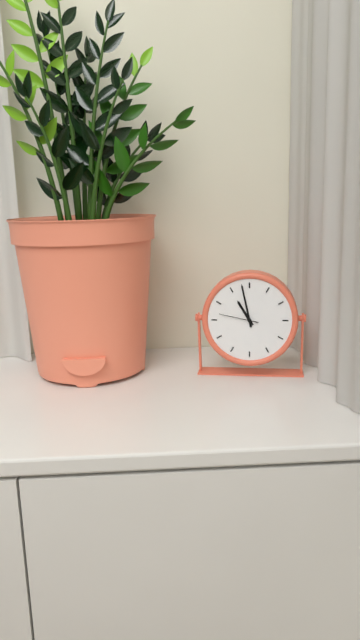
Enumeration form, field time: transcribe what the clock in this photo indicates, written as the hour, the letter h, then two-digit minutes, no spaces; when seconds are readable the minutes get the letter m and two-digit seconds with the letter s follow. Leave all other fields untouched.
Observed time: 10h58
